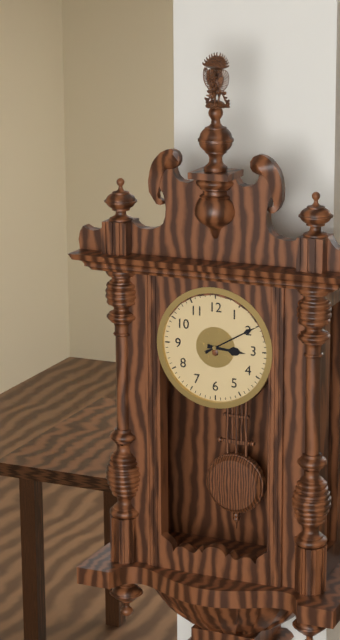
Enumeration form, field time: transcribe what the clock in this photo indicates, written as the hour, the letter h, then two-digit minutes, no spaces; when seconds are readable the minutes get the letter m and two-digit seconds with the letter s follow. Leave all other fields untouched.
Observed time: 3h10
